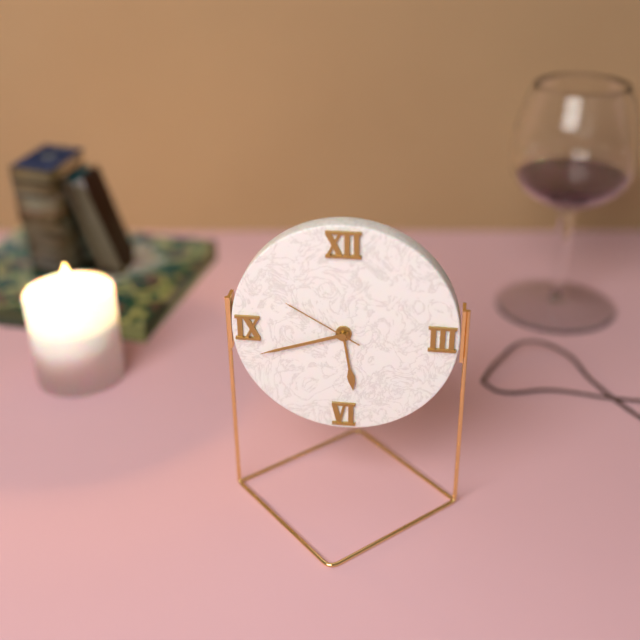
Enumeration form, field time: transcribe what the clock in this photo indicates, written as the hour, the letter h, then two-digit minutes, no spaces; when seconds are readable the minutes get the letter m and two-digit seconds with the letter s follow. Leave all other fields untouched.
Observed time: 5h42m50s
